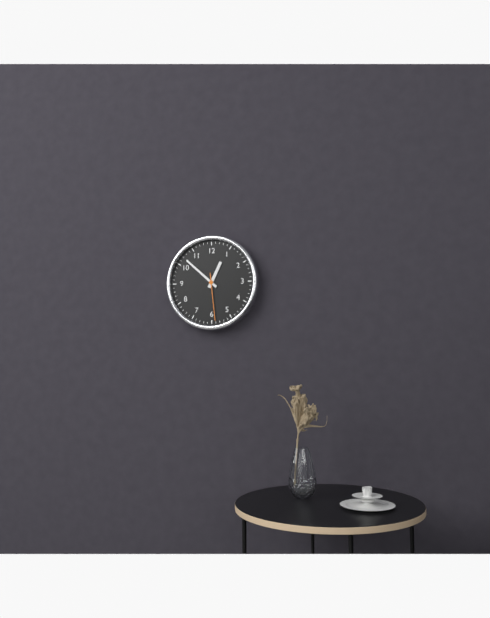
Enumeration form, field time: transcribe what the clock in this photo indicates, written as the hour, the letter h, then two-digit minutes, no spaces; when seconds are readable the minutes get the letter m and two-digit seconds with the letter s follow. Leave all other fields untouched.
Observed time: 12h52
